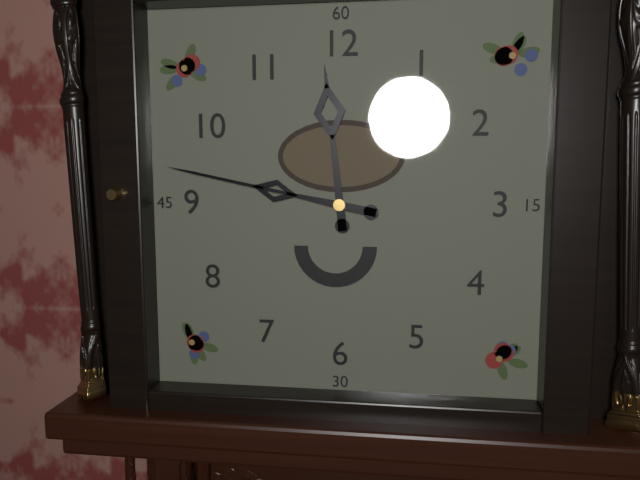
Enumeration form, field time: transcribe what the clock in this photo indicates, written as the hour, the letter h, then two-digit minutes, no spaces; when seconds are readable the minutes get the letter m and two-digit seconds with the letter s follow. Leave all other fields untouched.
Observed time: 11h47
